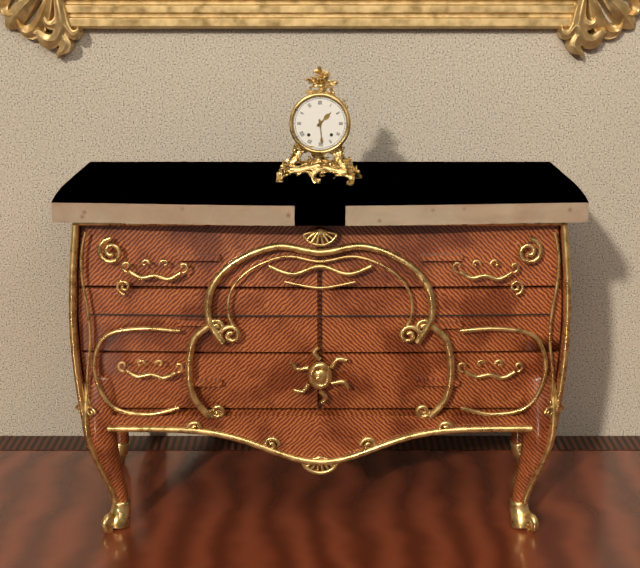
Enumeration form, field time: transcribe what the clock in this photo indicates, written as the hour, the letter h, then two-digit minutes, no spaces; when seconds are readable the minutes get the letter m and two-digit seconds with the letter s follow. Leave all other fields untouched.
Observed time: 1h29
